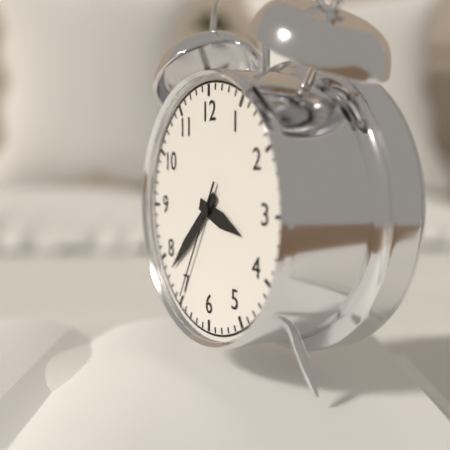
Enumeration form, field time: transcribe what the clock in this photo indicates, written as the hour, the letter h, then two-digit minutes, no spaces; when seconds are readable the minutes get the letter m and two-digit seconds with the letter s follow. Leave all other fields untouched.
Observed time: 3h38m35s
